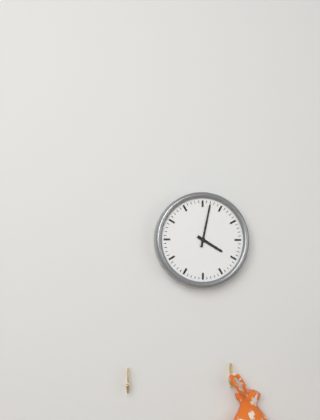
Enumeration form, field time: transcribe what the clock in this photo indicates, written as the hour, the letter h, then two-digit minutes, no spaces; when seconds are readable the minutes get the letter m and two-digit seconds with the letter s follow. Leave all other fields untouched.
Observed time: 4h02
